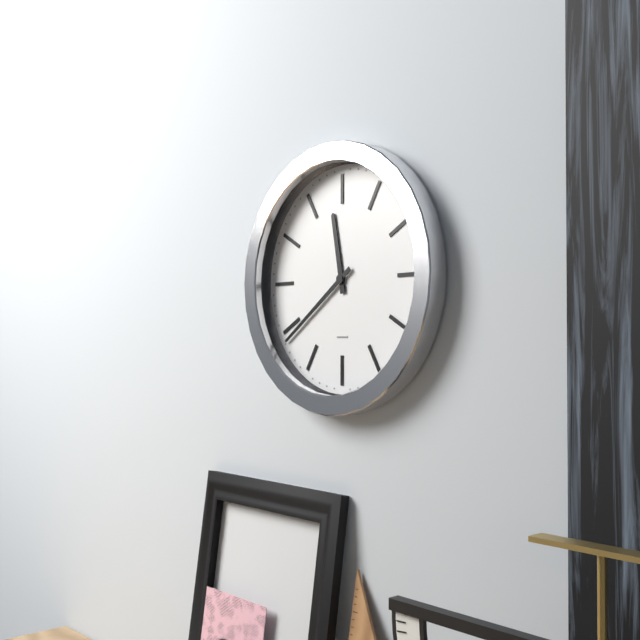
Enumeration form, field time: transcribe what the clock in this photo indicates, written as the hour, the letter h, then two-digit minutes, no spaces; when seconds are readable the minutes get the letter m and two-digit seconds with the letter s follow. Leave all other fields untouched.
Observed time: 11h39
